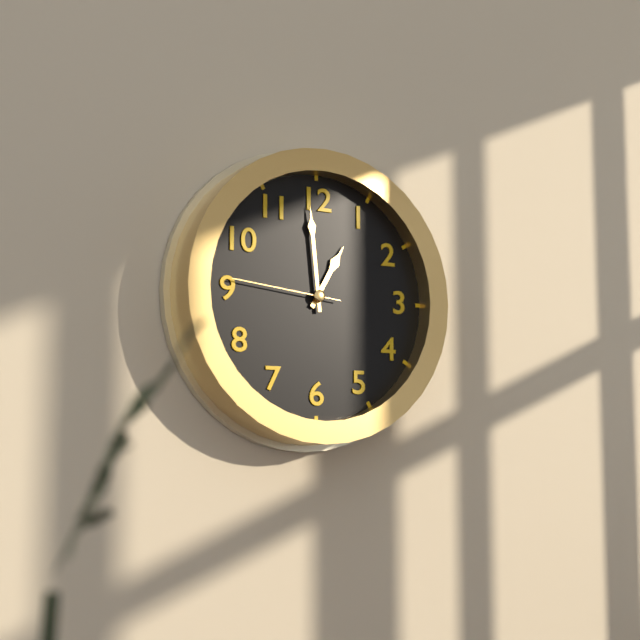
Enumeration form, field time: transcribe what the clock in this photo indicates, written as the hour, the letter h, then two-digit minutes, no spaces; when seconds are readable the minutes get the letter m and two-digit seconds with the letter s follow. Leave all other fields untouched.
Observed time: 12h59m46s
